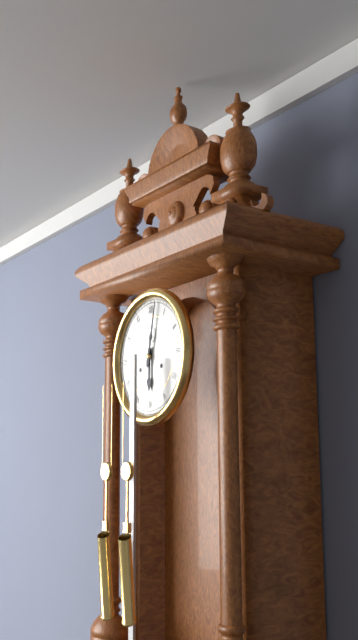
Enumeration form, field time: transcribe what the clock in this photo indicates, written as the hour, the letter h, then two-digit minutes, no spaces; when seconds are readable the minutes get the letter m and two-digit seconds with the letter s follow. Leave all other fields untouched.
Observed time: 6h02
